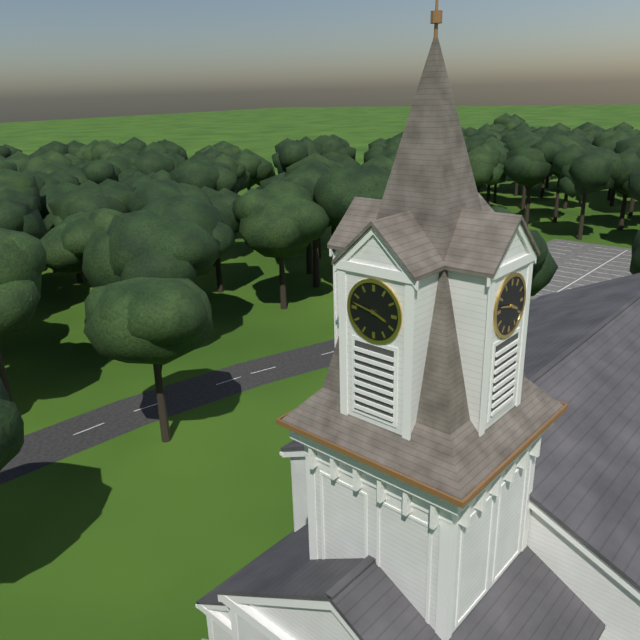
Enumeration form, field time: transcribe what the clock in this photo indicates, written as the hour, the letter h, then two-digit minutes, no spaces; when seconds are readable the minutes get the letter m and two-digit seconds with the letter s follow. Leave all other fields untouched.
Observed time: 3h47
